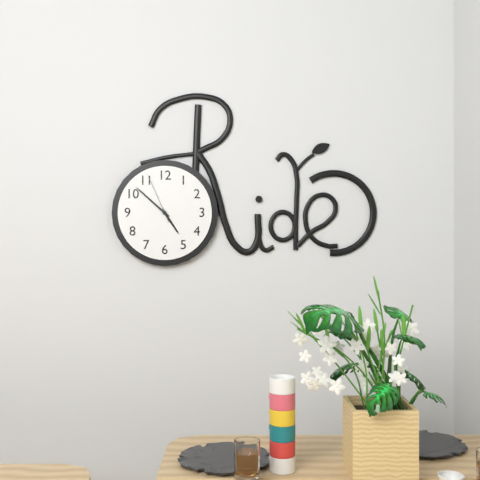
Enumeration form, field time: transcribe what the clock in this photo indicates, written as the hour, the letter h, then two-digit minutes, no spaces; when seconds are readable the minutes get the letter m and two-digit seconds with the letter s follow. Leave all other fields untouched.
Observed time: 4h52m56s
